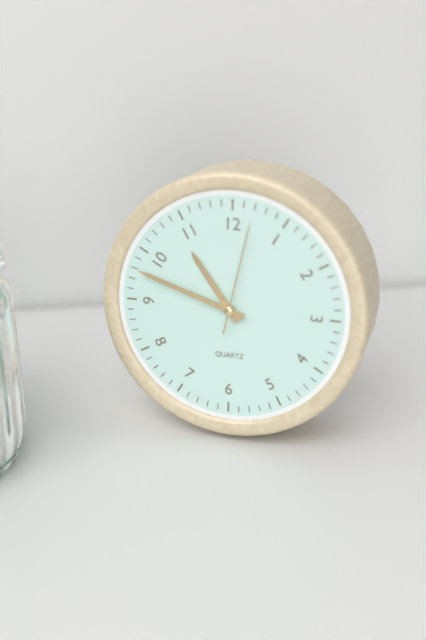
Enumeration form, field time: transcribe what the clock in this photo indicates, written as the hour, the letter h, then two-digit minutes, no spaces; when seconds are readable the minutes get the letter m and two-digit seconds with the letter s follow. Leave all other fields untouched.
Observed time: 10h48m02s
